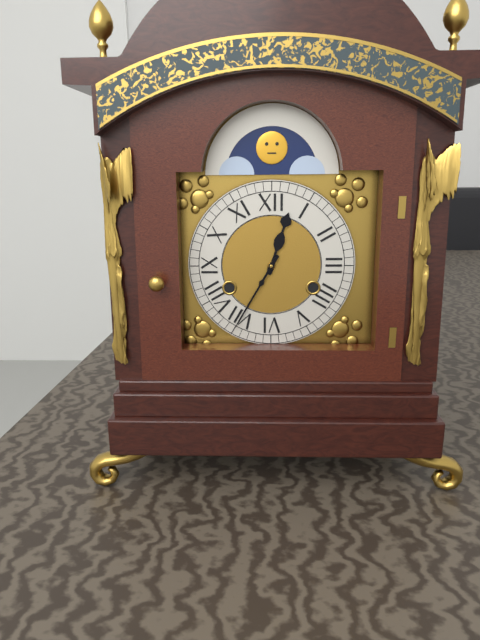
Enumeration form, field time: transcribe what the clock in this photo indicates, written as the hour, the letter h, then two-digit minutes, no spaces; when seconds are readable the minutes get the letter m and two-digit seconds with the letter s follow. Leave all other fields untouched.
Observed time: 12h35
